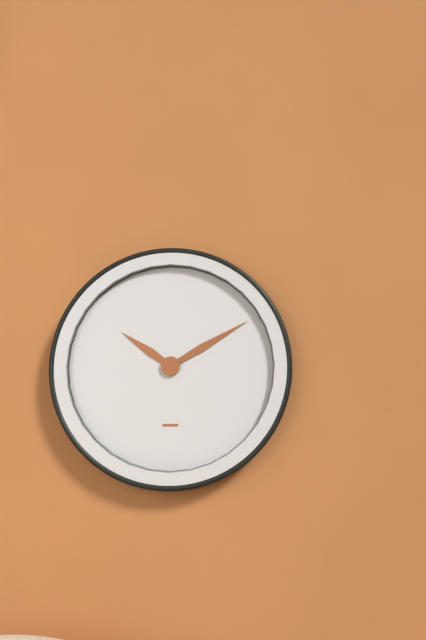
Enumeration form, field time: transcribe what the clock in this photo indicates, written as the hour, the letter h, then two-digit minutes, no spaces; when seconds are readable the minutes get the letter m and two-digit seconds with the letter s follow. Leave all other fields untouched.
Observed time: 10h10
